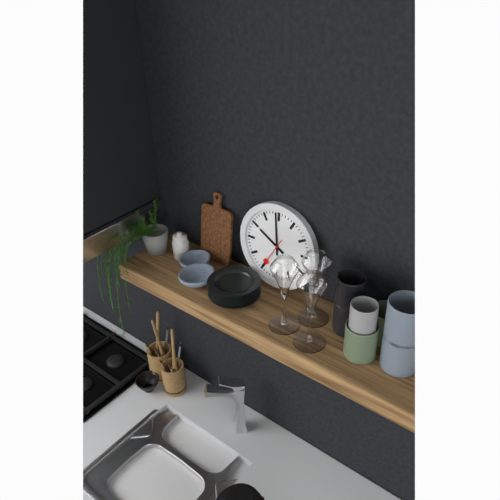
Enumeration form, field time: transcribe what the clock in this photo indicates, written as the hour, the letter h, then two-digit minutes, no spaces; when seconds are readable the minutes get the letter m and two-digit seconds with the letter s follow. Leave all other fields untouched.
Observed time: 9h59
